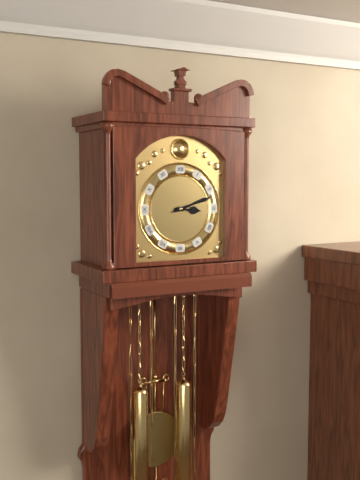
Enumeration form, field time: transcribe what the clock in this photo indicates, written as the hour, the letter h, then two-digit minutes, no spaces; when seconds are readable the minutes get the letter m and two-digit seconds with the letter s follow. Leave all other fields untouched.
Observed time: 3h12
